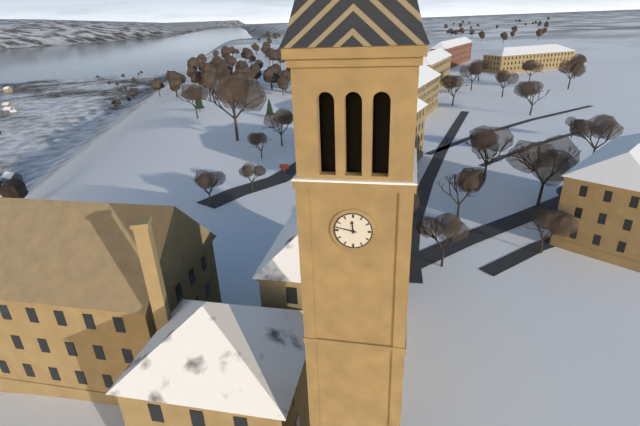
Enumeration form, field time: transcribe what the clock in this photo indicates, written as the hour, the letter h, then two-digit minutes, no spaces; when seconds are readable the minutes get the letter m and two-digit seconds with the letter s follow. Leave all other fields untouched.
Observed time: 11h47
